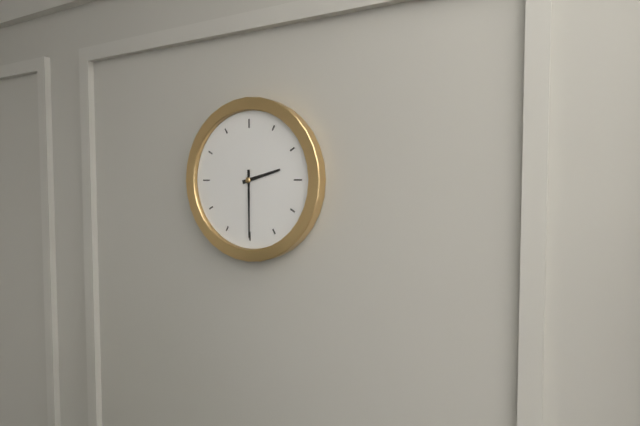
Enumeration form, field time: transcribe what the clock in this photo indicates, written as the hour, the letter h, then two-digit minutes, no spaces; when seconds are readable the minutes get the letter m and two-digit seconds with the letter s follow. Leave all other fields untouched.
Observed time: 2h30
